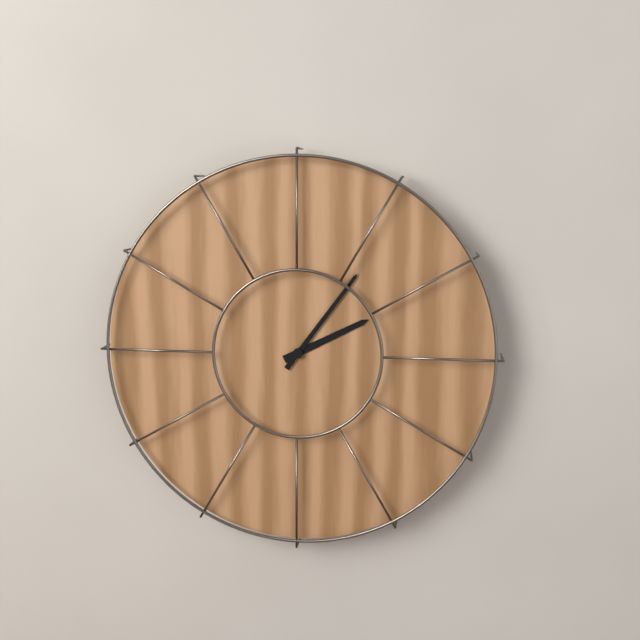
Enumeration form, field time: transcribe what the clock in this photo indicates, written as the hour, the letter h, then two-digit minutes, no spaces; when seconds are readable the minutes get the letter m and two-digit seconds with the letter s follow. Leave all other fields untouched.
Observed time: 2h06
